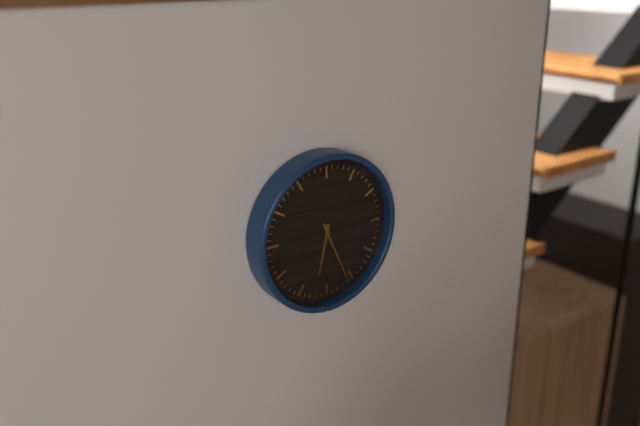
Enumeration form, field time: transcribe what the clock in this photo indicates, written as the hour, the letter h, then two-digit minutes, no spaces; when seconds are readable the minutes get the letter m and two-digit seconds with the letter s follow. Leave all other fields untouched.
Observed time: 6h26
